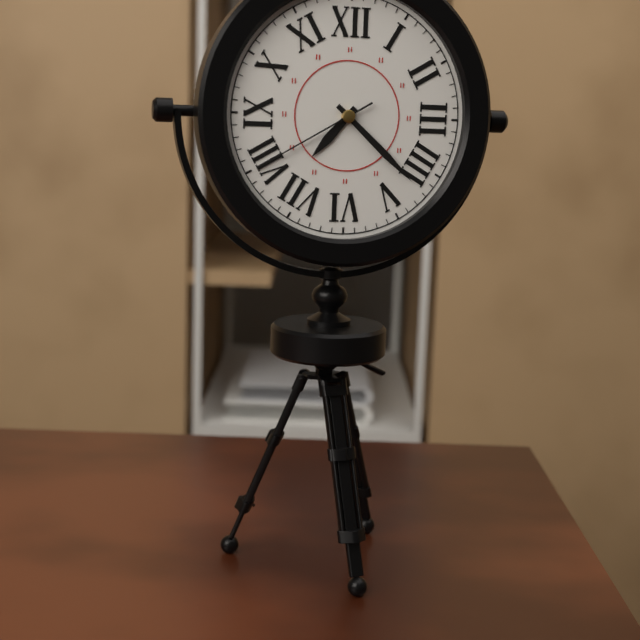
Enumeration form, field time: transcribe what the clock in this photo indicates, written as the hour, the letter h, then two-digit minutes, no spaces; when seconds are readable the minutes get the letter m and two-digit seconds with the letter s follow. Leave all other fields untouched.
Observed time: 7h22m40s
